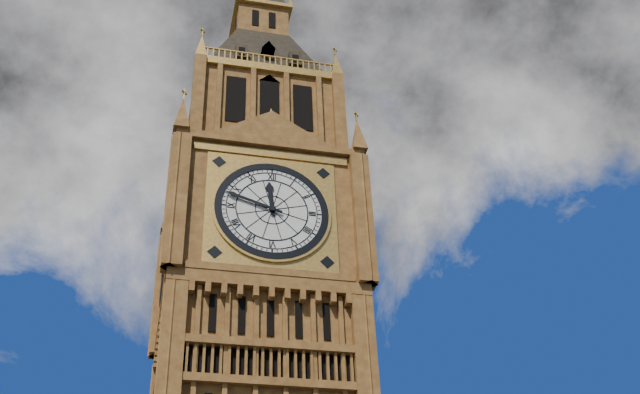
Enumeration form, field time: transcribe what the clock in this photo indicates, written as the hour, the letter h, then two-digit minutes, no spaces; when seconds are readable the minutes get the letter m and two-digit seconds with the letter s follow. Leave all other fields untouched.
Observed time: 11h48
